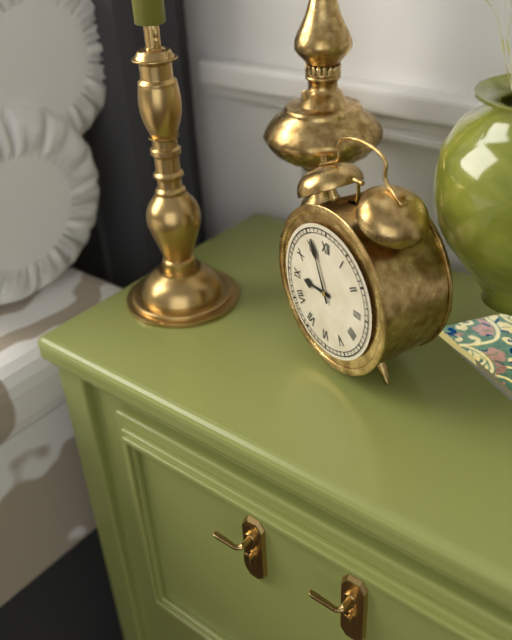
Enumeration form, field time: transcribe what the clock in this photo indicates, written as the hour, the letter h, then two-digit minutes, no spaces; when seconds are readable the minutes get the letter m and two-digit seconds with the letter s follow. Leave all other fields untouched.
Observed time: 8h56
